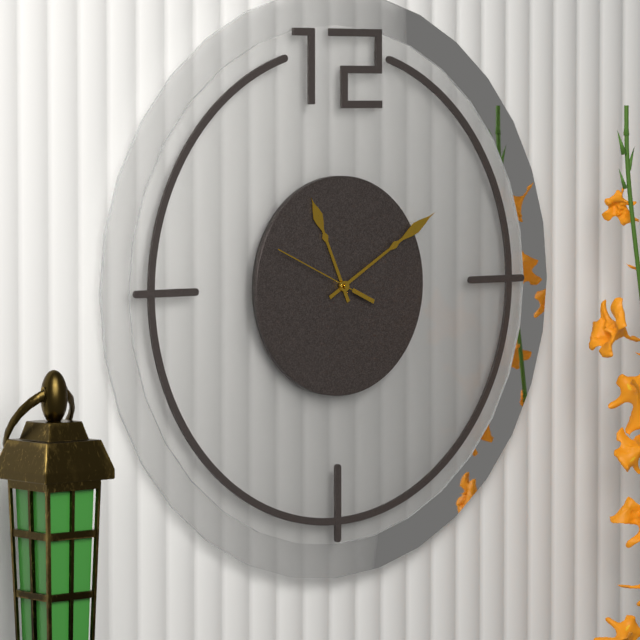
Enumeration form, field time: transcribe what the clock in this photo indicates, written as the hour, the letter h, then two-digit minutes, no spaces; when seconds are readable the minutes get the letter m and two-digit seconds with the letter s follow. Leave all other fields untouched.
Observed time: 11h10m49s
